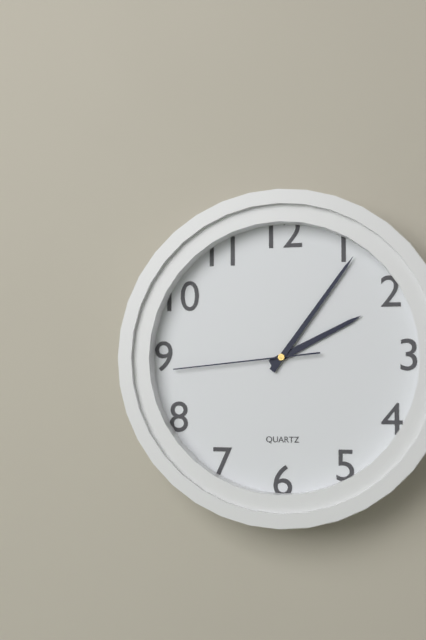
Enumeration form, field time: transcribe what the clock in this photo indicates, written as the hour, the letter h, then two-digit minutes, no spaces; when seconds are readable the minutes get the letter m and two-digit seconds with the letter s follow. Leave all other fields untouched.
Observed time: 2h06m44s
